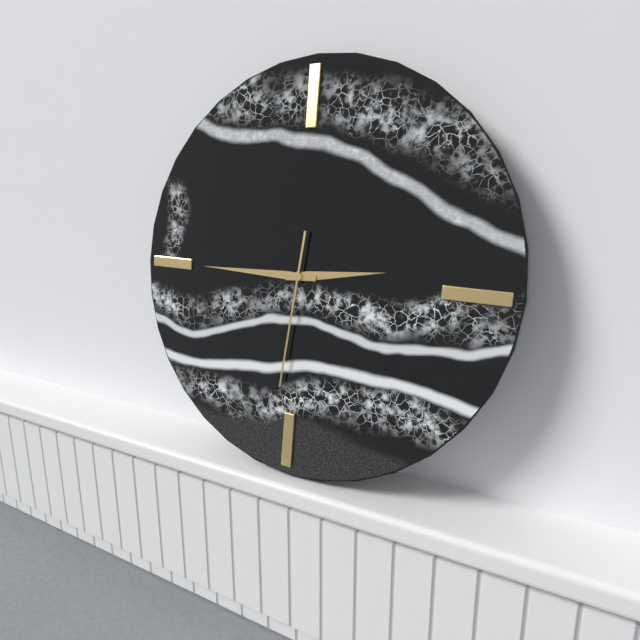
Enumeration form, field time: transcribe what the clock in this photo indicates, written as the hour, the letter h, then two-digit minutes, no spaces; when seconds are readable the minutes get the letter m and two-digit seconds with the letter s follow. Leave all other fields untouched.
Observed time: 2h45m31s
